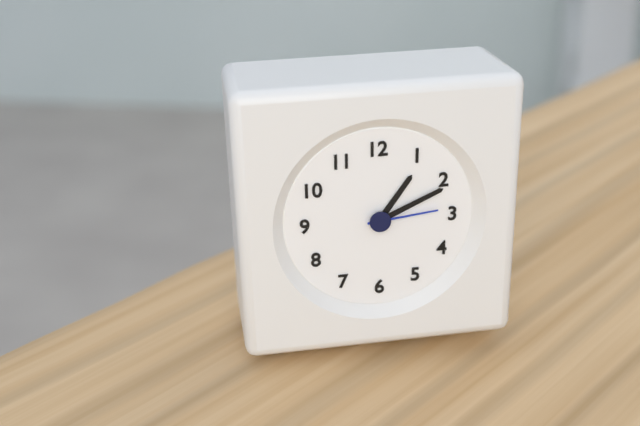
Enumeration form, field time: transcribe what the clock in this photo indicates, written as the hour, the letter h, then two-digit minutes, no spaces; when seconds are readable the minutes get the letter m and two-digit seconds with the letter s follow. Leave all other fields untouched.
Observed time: 1h11m14s
